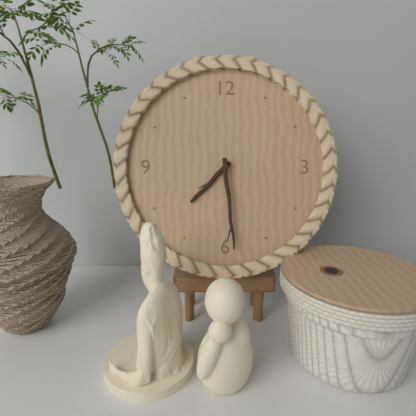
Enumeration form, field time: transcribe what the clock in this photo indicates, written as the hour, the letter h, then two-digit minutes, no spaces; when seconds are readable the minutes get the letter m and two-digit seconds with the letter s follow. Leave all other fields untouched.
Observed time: 7h29
